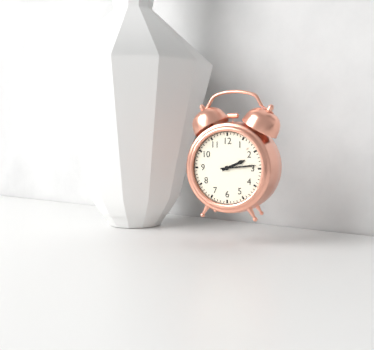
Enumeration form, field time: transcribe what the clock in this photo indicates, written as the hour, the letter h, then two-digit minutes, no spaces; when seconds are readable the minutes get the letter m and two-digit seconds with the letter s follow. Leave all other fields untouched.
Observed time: 2h14
